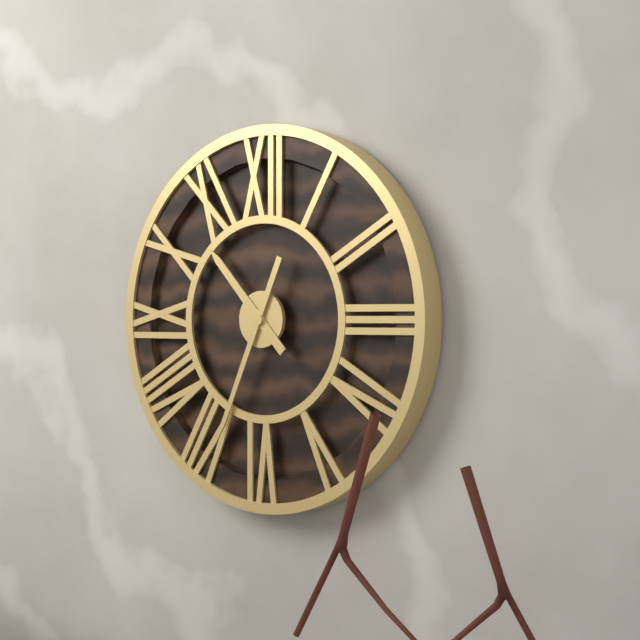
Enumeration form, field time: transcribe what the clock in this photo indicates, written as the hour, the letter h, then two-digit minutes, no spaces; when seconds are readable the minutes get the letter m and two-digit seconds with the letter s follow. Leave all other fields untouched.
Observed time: 10h34
